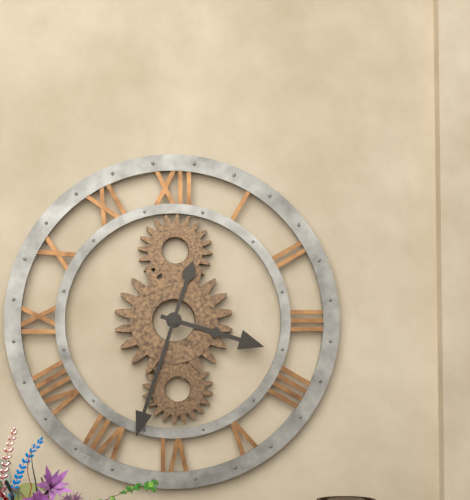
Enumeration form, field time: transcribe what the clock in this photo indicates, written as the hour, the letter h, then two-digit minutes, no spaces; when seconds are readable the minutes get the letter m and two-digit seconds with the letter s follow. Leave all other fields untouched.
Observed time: 3h33
